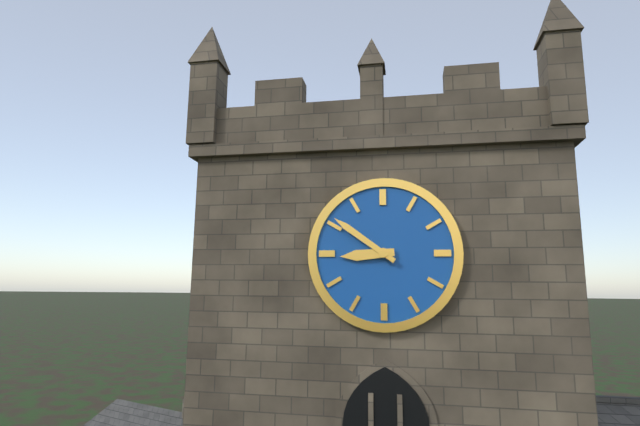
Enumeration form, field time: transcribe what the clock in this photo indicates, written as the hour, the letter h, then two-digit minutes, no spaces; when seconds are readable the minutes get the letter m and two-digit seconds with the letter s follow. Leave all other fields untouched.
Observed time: 8h51
